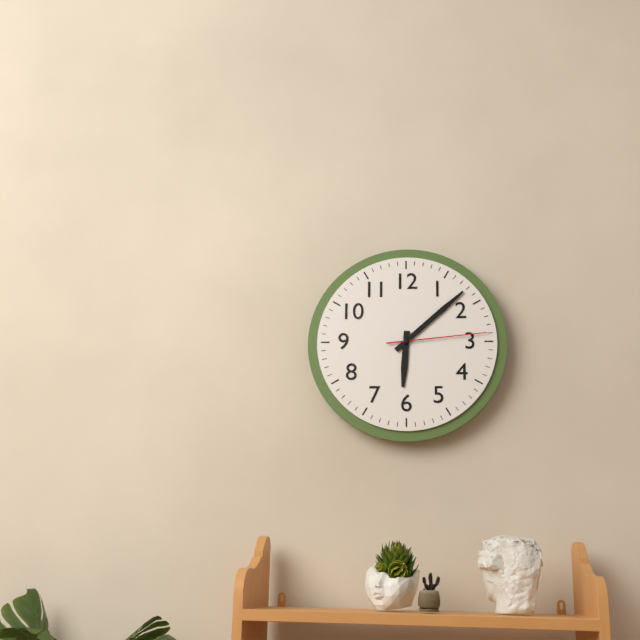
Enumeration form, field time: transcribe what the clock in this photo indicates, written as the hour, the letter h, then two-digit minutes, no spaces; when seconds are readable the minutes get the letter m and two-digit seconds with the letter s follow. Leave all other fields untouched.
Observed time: 6h08m14s
